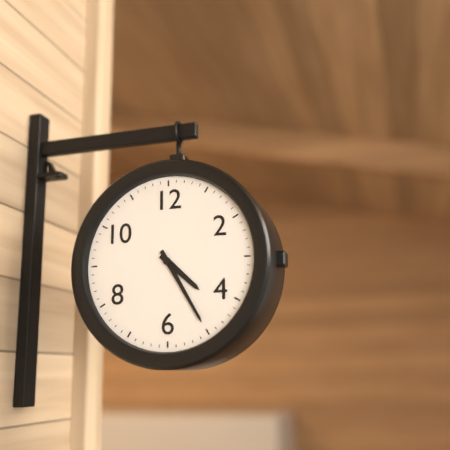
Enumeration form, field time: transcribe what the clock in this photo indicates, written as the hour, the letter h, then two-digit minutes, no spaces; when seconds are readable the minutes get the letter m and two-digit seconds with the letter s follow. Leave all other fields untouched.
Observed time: 4h25
